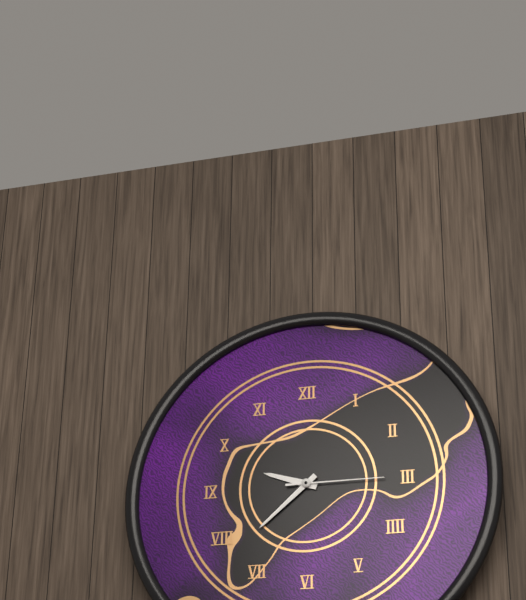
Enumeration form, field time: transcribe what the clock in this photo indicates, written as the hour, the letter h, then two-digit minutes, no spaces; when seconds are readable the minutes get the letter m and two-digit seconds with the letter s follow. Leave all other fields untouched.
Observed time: 9h38m15s
